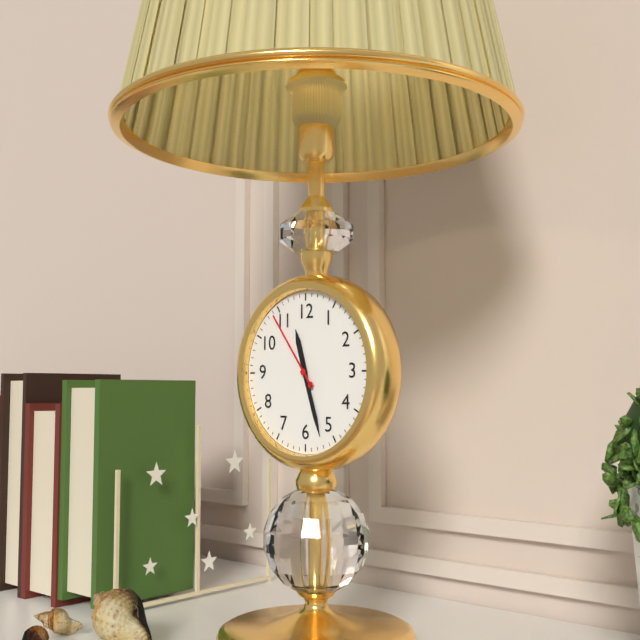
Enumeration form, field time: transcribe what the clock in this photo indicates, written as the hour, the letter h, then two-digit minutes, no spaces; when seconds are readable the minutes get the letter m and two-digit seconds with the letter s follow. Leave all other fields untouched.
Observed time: 11h27m54s
